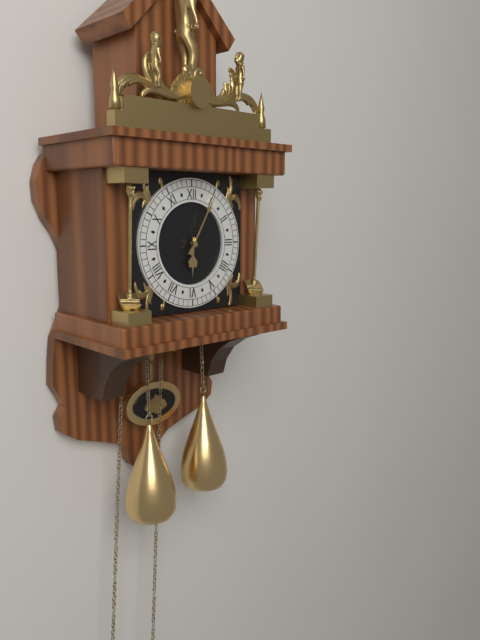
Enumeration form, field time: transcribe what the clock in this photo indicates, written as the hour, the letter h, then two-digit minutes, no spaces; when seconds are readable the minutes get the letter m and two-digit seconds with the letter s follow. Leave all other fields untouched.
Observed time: 6h05
